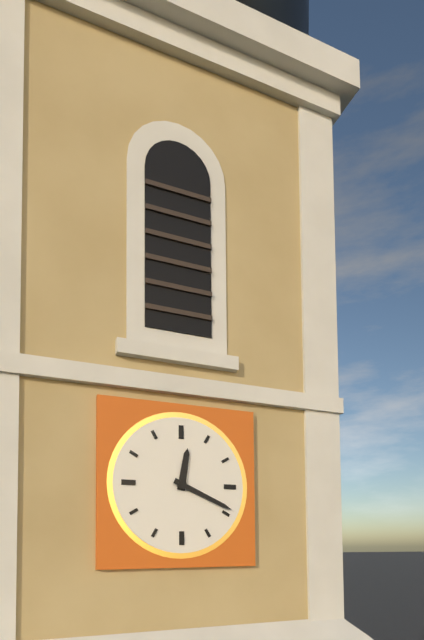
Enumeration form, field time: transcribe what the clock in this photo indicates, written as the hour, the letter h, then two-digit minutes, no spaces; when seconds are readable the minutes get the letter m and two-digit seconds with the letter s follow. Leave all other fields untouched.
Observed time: 12h19
